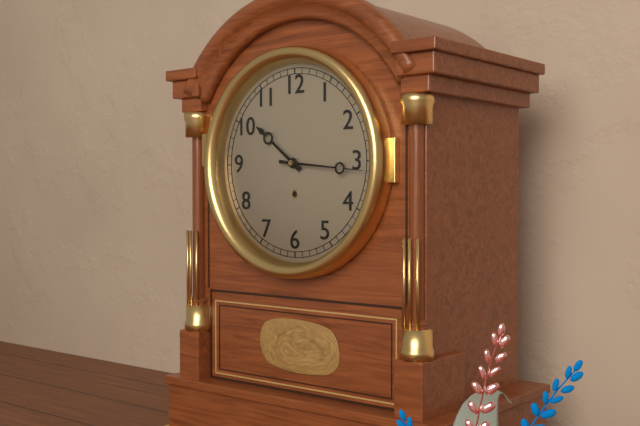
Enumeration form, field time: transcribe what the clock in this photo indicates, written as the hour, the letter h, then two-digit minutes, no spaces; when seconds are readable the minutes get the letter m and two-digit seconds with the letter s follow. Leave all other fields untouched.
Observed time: 10h16
